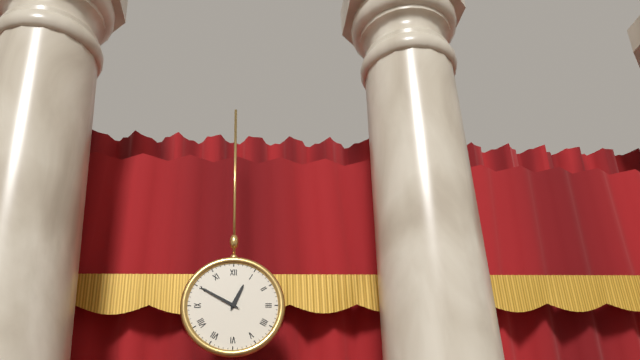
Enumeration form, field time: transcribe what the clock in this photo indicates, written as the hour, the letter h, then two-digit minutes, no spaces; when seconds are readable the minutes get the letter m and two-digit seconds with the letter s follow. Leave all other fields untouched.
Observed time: 12h50
